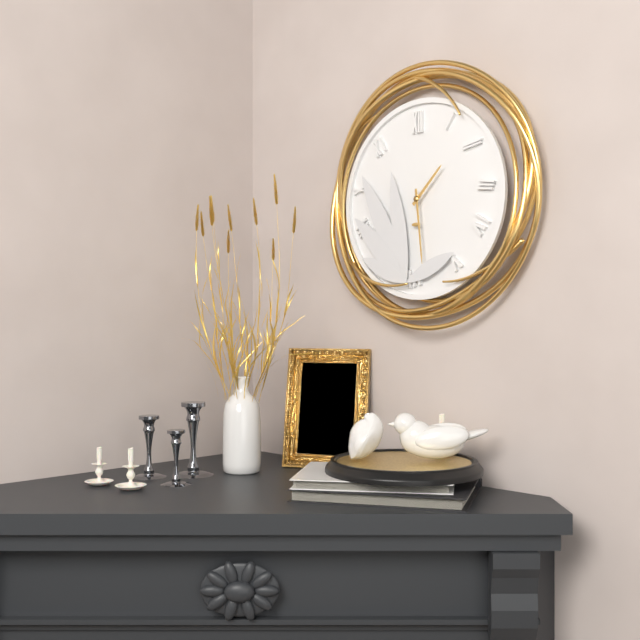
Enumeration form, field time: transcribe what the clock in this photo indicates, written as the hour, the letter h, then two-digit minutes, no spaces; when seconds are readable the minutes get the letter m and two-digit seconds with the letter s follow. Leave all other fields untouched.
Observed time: 1h29
